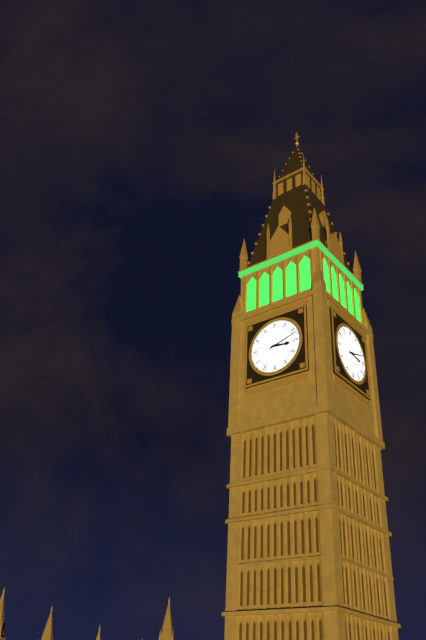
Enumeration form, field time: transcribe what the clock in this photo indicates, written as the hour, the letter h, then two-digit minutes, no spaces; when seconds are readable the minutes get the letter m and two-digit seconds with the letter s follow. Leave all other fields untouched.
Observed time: 3h12
